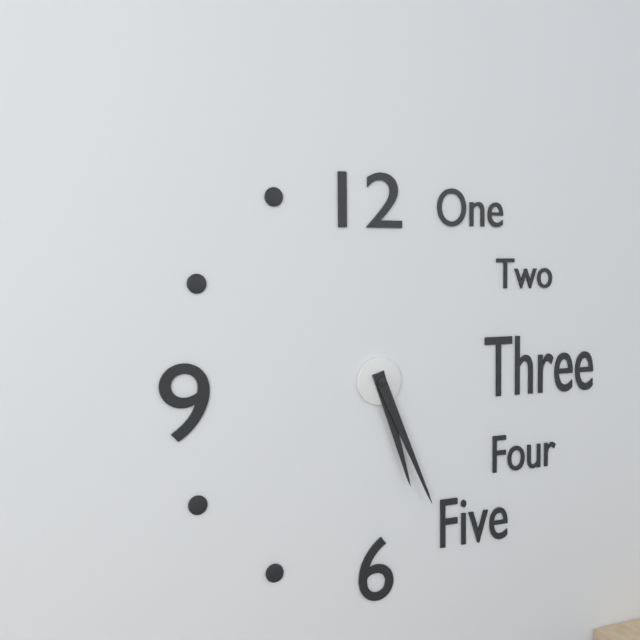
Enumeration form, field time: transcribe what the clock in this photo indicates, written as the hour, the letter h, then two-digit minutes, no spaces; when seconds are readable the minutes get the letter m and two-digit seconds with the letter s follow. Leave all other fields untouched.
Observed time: 5h26
